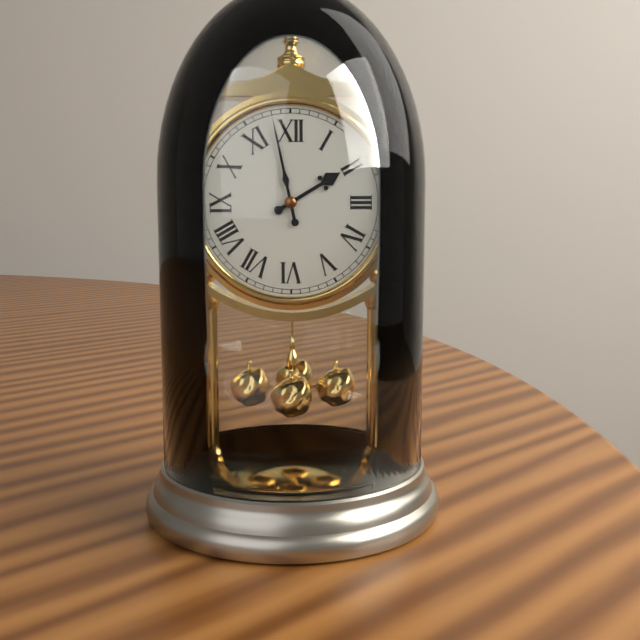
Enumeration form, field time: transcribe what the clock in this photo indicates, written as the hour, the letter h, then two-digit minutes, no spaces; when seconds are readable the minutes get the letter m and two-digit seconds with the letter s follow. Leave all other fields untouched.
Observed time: 1h58
